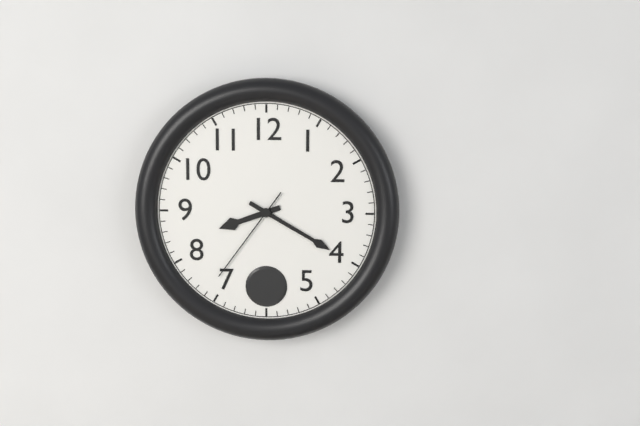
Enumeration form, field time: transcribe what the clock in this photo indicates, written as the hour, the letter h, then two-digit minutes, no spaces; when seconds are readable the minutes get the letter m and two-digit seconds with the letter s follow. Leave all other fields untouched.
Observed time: 8h20m36s
